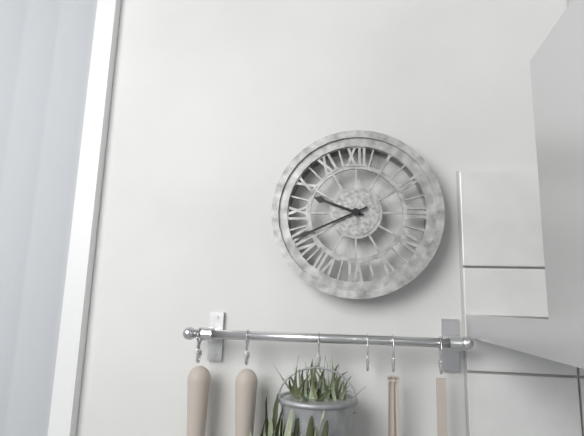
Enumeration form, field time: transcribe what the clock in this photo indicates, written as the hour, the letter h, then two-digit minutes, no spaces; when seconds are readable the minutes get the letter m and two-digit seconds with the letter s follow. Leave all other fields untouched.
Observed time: 9h41
